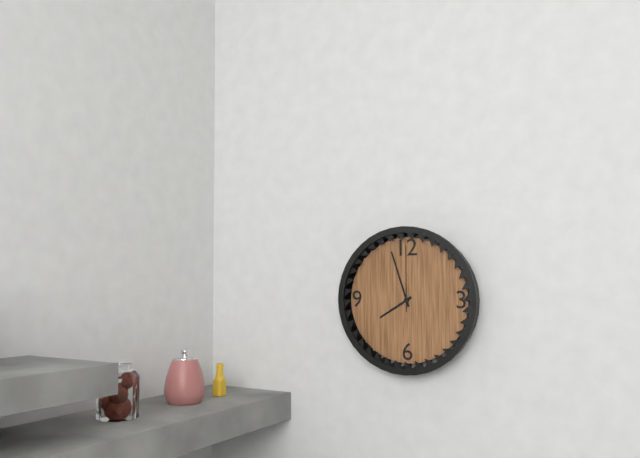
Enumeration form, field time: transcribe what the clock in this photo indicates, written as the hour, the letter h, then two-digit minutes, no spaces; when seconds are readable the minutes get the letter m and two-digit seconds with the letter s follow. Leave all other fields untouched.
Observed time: 7h57m00s
